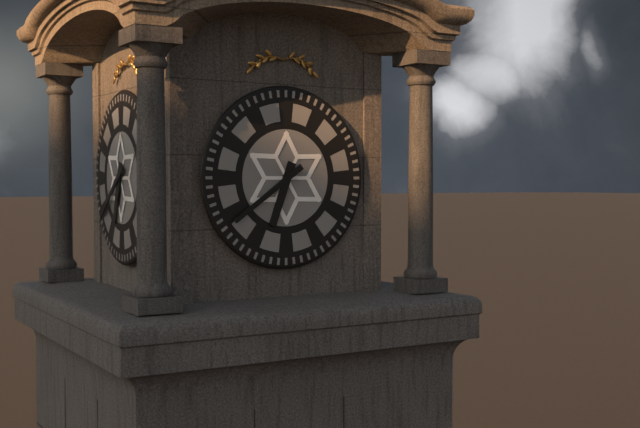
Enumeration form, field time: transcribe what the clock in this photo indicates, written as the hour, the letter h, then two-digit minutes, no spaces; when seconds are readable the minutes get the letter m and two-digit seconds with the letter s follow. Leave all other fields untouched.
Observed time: 6h39
